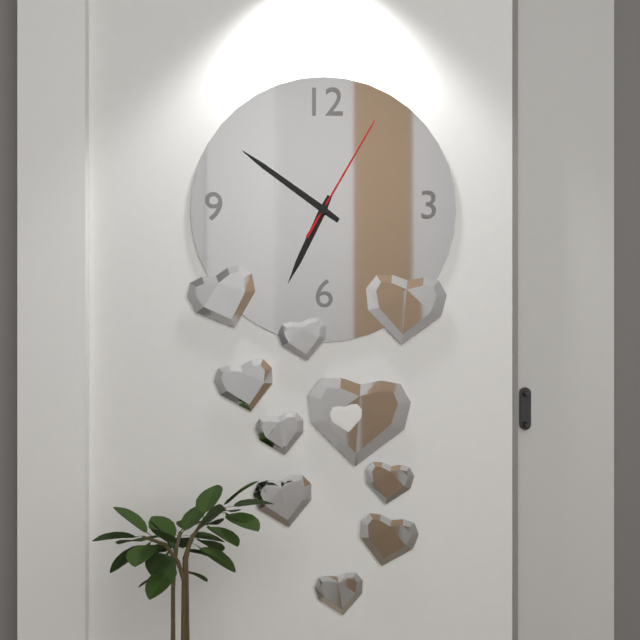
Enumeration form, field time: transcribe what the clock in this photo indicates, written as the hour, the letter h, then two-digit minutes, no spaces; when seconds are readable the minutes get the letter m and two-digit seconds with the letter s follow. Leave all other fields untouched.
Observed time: 6h51m05s
